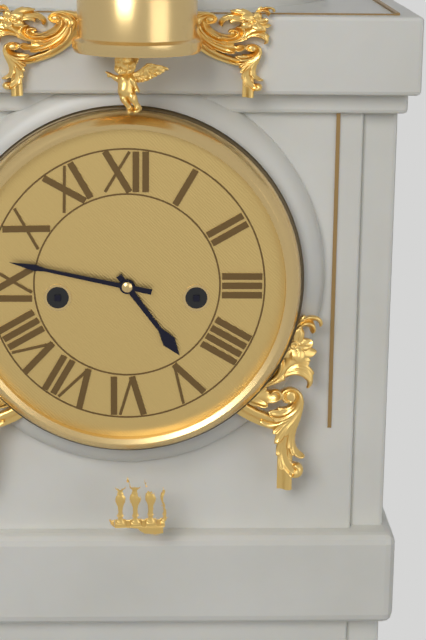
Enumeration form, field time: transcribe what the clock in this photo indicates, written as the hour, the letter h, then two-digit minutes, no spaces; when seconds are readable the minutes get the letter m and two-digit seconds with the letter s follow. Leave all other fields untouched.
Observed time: 4h47
